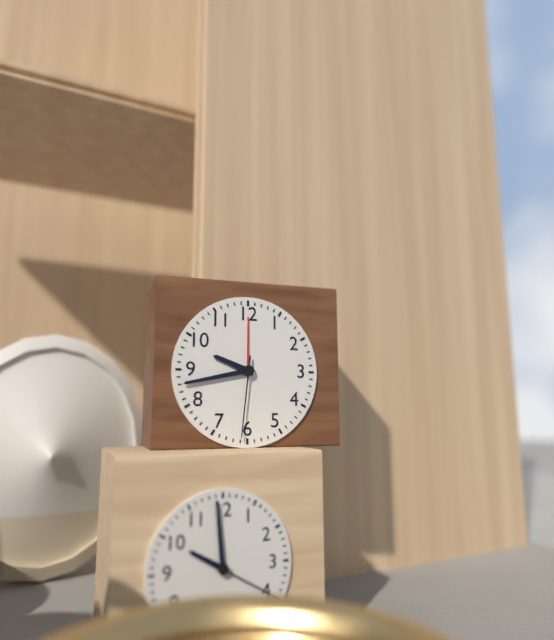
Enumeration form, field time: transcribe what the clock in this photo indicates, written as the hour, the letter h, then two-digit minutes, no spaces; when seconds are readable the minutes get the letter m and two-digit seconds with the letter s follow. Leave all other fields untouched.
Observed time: 9h43m31s
